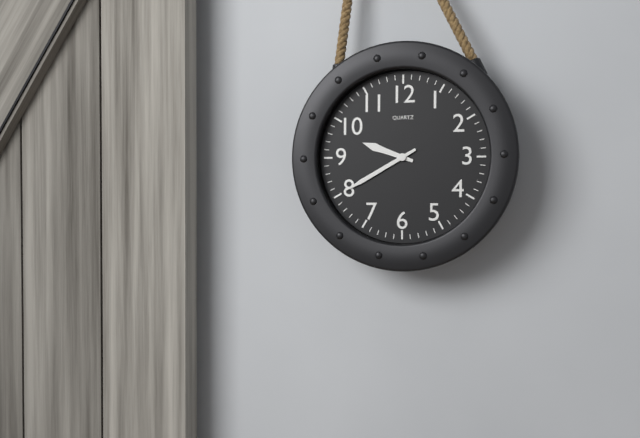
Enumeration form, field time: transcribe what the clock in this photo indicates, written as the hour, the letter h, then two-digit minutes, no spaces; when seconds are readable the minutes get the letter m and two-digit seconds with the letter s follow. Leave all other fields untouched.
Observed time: 9h40
